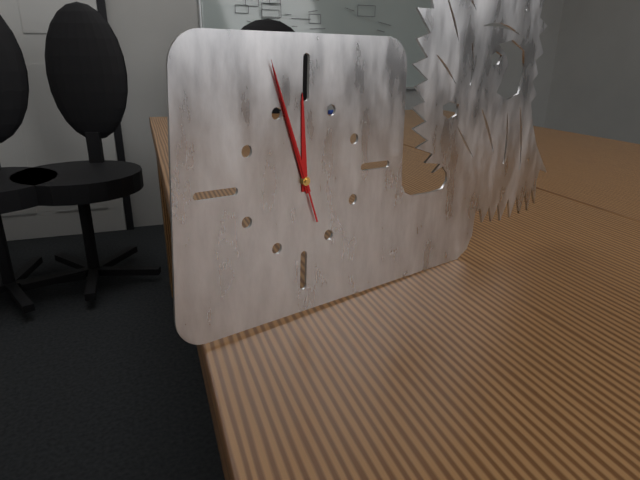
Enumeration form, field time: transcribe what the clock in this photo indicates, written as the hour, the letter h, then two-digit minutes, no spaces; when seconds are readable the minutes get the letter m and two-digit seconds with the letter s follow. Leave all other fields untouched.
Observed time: 11h57m57s
